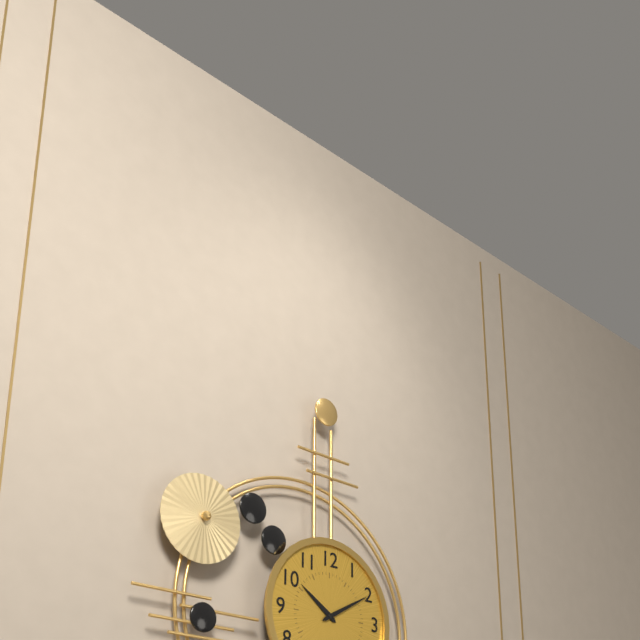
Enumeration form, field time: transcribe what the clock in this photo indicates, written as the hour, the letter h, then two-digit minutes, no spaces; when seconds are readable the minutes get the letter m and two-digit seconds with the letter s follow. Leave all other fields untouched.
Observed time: 10h10
